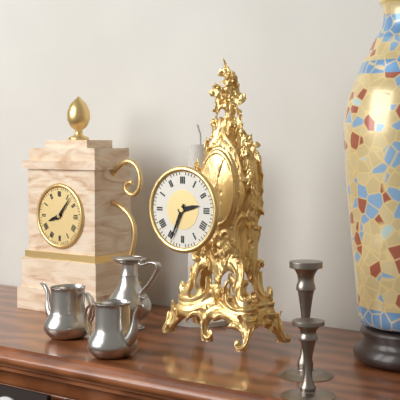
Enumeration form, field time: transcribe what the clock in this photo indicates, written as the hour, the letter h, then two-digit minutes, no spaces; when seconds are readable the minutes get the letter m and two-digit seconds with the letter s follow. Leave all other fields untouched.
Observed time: 2h34
